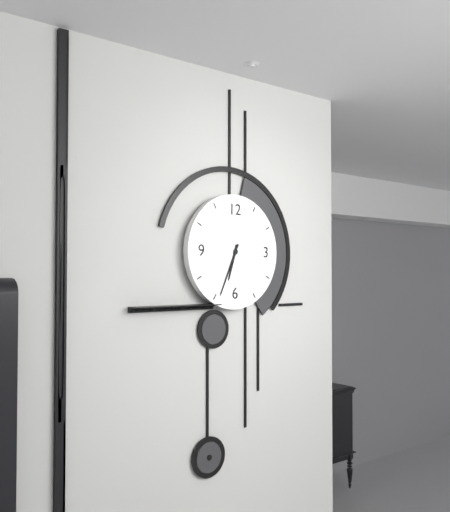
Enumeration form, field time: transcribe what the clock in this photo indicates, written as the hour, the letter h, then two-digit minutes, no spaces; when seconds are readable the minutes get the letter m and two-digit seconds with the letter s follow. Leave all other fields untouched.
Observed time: 6h34
